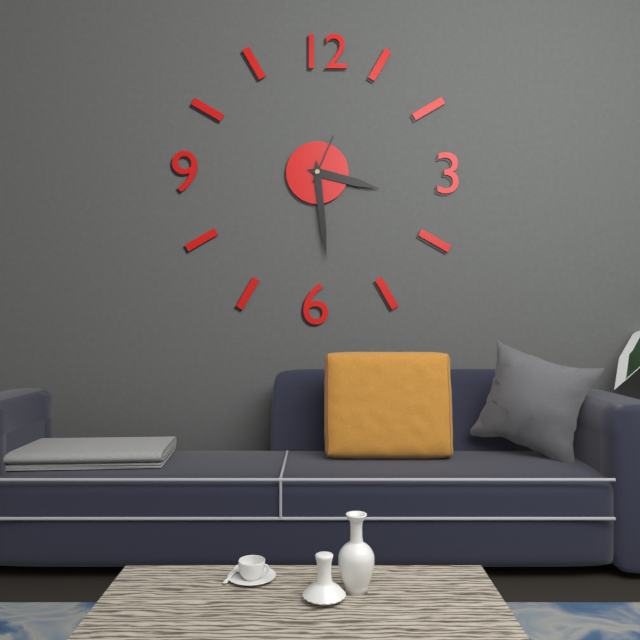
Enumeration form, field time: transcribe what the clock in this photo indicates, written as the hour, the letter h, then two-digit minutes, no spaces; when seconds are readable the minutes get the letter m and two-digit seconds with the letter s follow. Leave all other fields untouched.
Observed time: 3h29m04s
